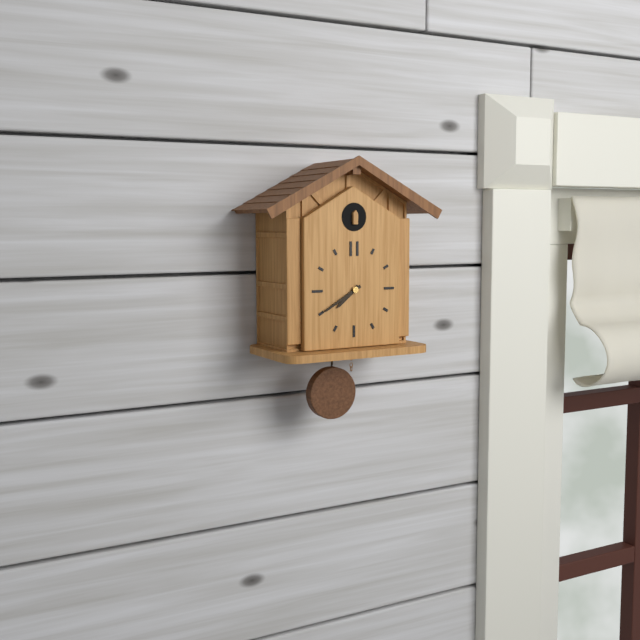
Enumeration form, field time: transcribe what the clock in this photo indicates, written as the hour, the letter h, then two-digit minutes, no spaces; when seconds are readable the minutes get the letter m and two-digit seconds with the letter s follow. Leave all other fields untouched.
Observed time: 7h40
